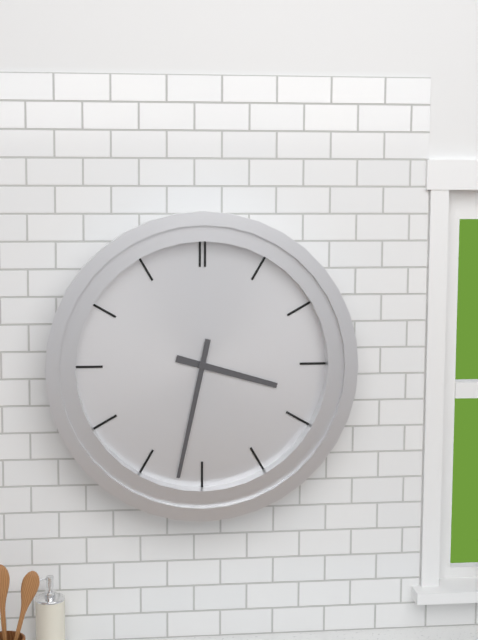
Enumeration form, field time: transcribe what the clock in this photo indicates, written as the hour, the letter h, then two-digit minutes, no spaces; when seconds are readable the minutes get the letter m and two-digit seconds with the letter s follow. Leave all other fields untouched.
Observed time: 3h32
